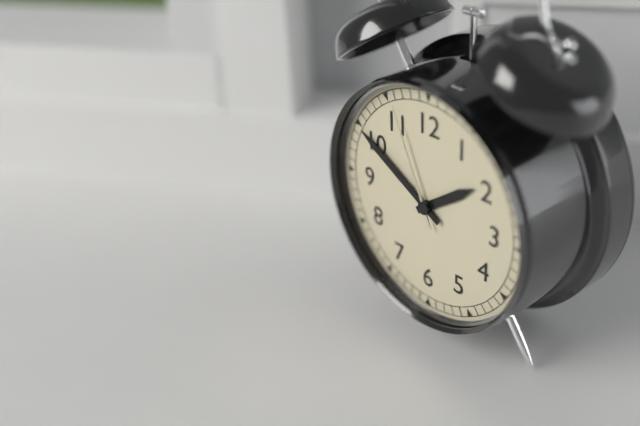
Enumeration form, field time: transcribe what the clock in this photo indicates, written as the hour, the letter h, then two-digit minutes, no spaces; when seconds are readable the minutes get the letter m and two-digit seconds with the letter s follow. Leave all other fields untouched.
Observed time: 1h50m56s
